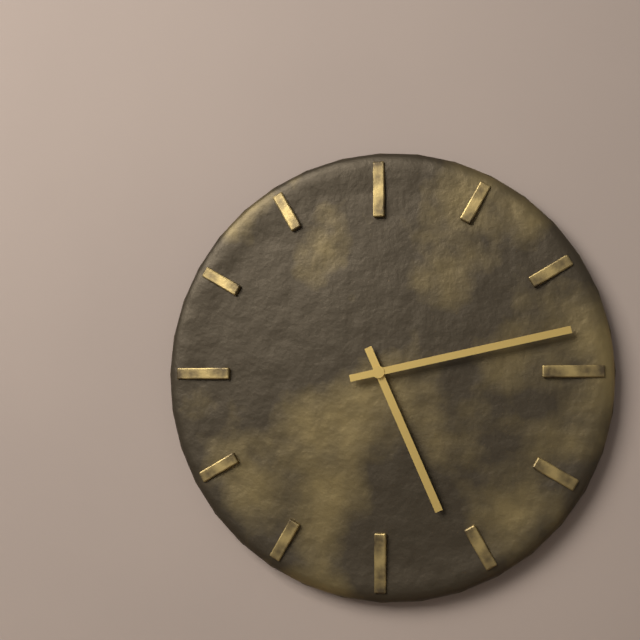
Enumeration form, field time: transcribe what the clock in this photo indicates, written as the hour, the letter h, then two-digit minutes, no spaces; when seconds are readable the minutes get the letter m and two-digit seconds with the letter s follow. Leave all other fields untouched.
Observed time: 5h13
